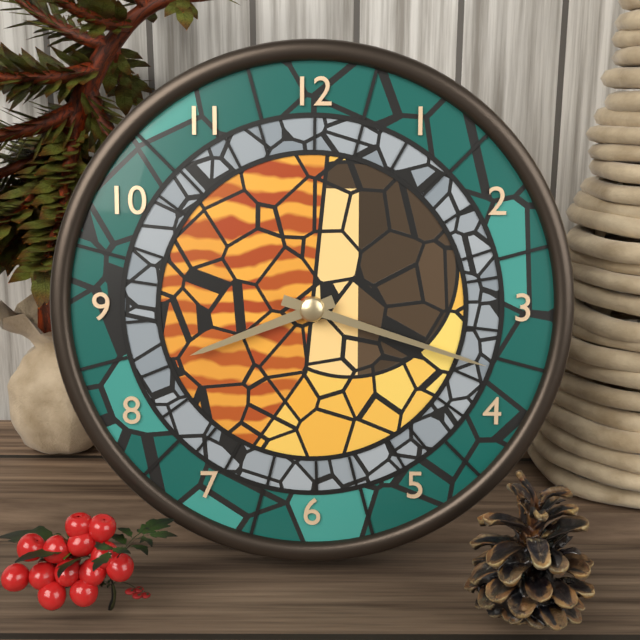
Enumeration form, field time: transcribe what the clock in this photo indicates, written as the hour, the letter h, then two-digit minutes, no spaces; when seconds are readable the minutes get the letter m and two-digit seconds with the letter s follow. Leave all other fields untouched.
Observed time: 8h18
